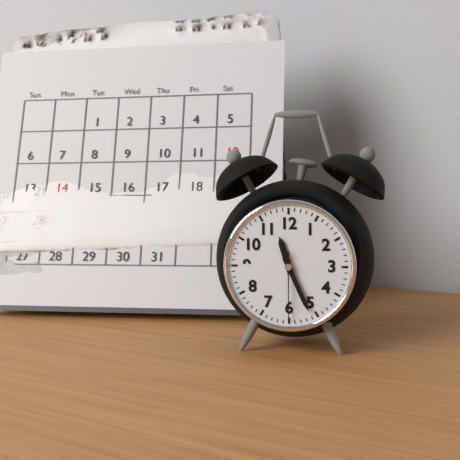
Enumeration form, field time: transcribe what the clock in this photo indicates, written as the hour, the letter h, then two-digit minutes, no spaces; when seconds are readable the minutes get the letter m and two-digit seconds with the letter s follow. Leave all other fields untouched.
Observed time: 11h26m30s
